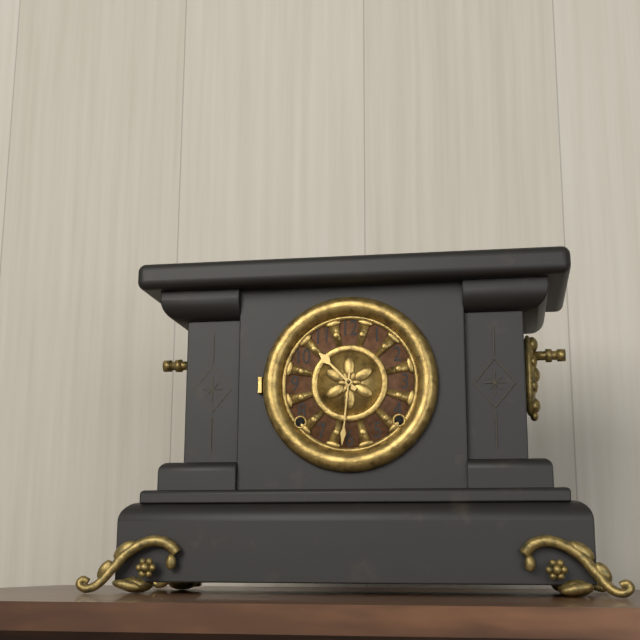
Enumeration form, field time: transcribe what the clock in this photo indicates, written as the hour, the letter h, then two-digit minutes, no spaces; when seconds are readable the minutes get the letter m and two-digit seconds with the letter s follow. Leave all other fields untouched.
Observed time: 10h31
